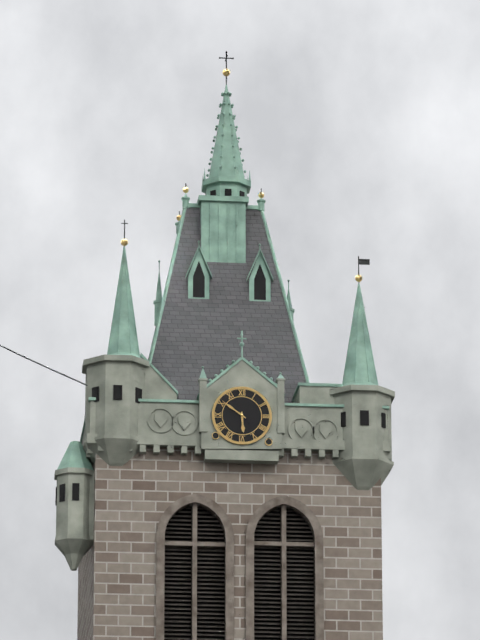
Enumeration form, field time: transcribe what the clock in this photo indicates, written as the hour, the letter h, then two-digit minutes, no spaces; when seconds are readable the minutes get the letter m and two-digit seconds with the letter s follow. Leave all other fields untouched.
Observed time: 5h51
